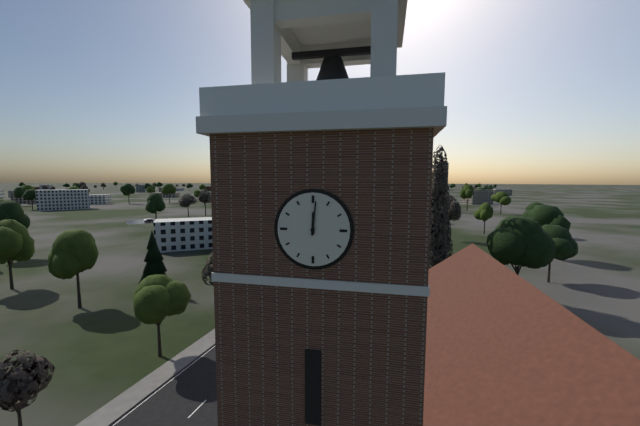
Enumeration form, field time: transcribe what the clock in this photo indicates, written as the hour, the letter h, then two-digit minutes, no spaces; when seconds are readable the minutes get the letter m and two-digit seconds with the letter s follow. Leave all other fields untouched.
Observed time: 12h01
